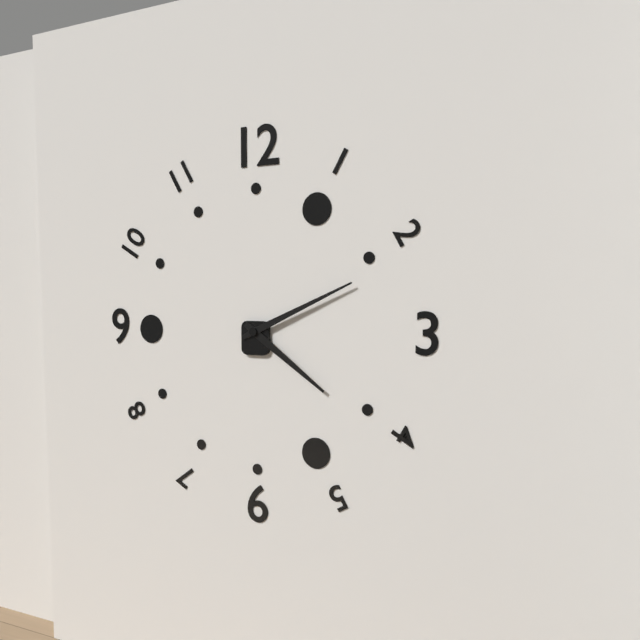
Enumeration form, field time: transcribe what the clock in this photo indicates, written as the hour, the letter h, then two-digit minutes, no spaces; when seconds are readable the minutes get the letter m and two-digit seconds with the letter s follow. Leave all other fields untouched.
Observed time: 4h11
